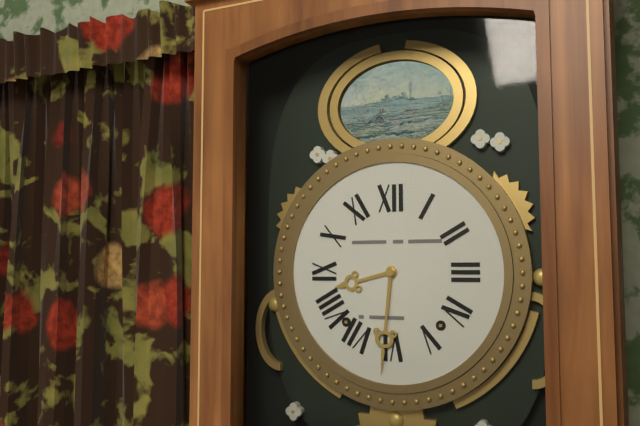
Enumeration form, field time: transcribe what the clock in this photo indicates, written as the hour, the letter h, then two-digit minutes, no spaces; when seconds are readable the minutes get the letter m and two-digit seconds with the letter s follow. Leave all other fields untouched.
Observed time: 8h31
